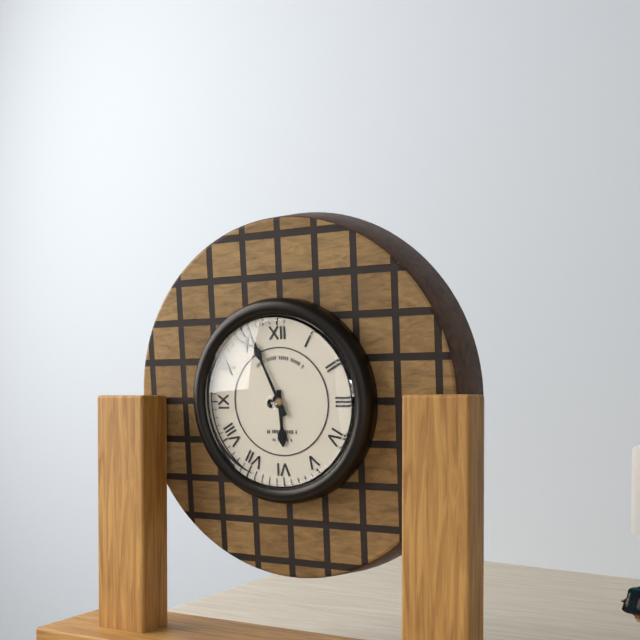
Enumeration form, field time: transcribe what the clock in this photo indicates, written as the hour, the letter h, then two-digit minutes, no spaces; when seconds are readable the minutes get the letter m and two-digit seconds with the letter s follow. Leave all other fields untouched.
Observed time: 5h56
